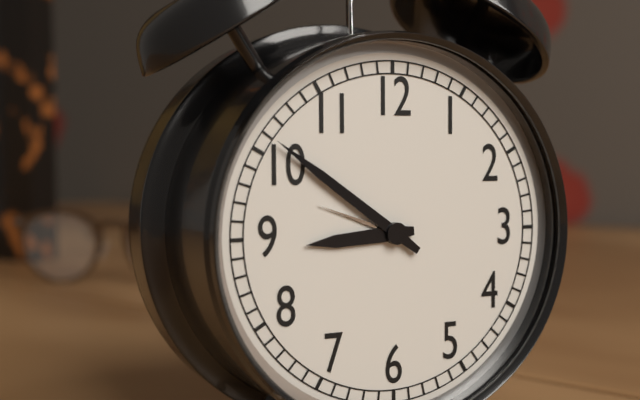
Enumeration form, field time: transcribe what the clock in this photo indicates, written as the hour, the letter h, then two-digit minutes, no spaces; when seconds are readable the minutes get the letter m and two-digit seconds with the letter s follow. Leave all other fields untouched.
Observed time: 8h51
